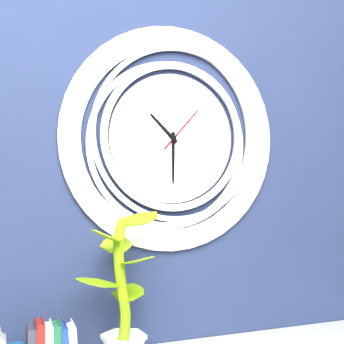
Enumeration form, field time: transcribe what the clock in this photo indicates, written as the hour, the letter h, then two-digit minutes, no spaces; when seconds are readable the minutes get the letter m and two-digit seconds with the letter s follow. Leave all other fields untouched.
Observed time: 10h30
